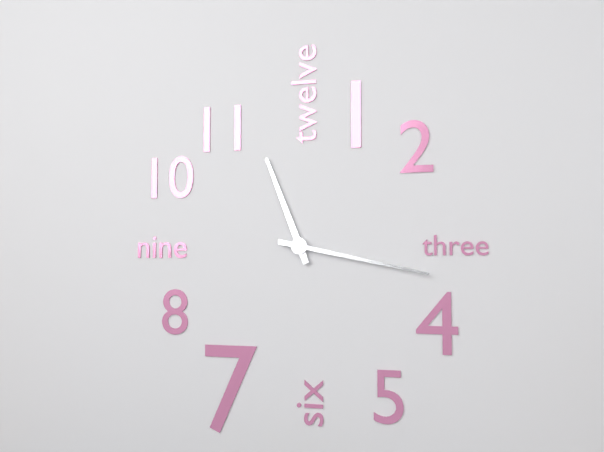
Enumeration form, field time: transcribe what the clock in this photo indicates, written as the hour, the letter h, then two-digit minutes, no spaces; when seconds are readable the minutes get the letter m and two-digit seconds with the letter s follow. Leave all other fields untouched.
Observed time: 11h17
